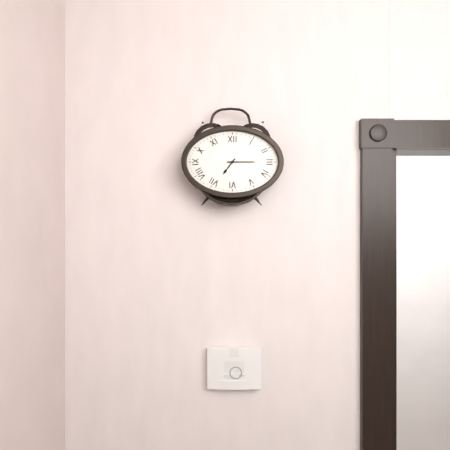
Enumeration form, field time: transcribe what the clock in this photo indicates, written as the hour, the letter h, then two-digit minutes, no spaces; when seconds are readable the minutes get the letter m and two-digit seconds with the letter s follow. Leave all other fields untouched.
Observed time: 7h15
